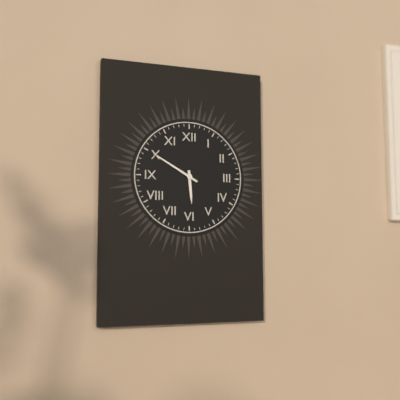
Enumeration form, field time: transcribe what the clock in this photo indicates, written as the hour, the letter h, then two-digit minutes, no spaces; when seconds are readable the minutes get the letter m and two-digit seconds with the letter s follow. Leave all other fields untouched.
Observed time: 5h50
